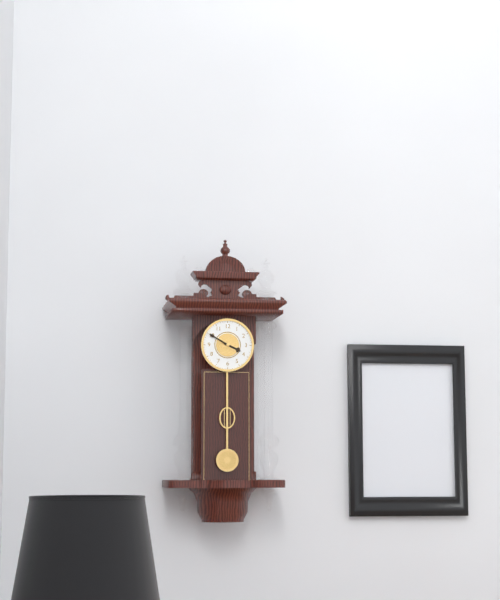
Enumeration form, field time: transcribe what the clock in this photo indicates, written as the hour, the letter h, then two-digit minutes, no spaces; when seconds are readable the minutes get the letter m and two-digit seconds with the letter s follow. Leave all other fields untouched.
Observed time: 3h50
